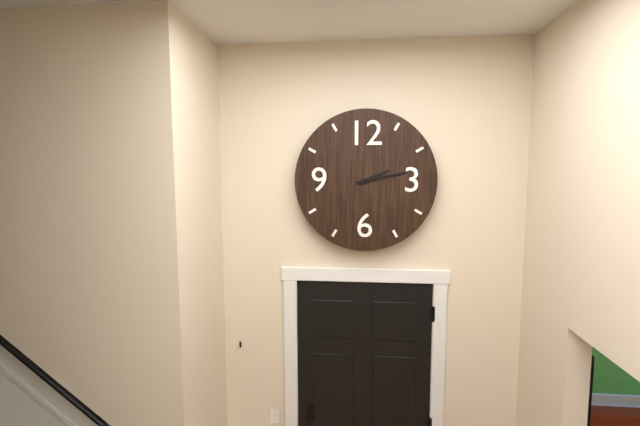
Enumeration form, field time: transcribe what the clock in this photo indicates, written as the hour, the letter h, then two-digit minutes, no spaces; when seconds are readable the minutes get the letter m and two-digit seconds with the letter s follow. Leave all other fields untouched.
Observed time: 2h13
